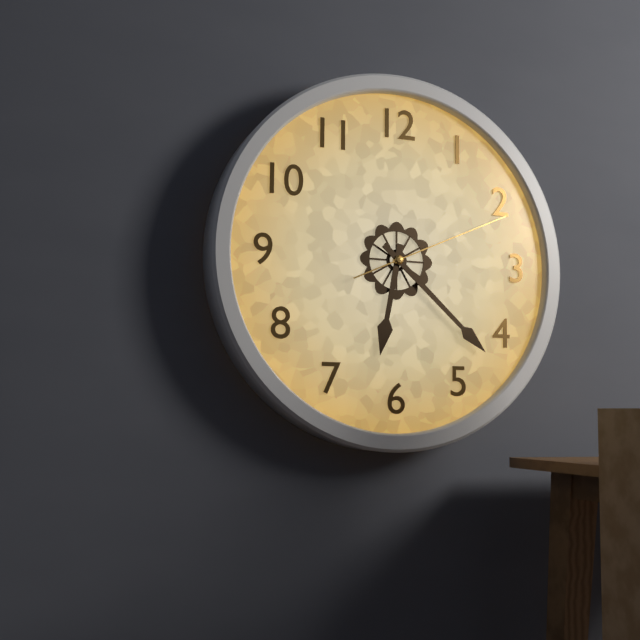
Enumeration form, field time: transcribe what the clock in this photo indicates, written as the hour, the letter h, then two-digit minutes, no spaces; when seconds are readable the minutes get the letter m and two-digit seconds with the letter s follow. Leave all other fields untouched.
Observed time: 6h22m11s
